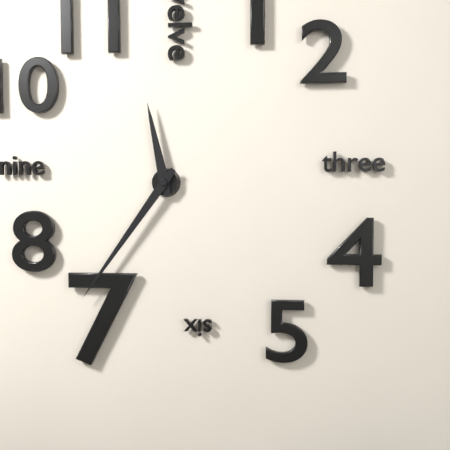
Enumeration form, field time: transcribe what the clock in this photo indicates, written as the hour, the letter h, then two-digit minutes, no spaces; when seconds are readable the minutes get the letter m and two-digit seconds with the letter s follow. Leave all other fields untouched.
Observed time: 11h36
